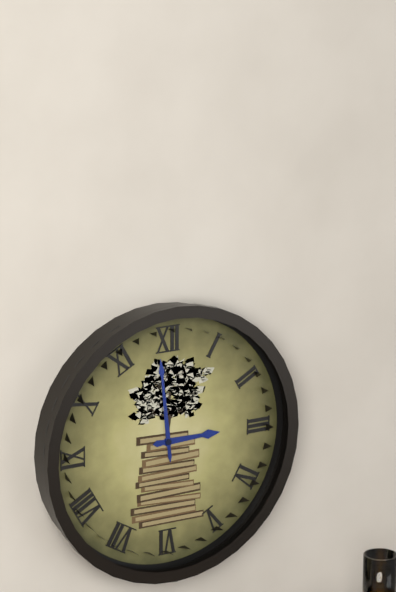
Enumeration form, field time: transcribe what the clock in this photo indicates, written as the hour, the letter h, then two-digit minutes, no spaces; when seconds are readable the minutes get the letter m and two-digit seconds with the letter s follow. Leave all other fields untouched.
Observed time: 2h59
